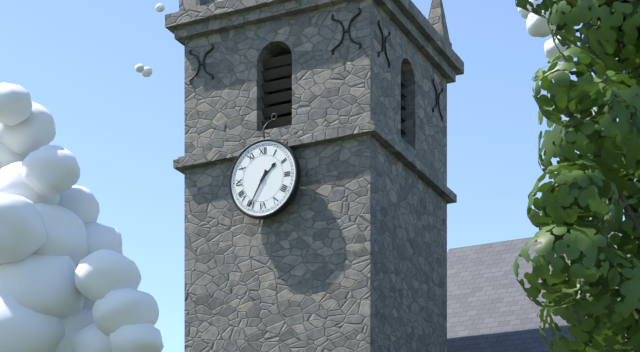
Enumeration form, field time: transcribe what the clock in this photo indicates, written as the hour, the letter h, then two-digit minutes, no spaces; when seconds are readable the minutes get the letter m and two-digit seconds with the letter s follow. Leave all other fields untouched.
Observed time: 1h35
